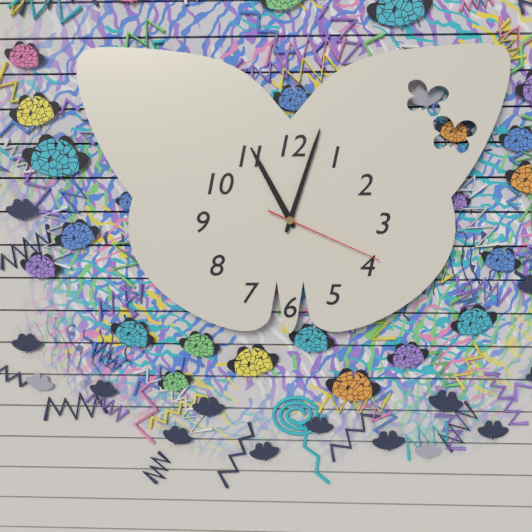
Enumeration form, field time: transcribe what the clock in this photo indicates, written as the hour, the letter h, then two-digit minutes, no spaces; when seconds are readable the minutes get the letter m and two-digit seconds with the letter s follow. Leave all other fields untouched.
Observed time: 11h03m19s
